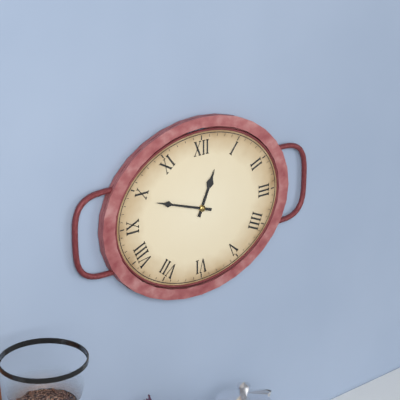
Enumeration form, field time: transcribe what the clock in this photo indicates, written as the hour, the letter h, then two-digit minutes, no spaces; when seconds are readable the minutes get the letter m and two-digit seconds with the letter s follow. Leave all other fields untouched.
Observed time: 12h48
